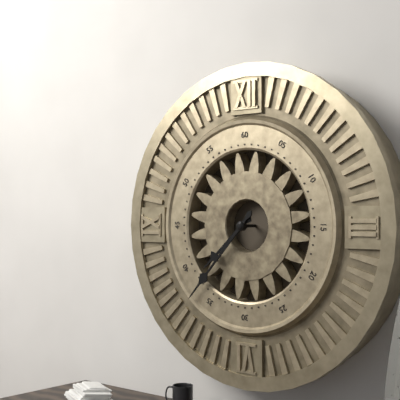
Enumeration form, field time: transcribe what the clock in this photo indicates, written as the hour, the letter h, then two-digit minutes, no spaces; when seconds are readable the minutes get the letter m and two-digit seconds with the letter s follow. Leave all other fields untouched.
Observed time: 7h37
